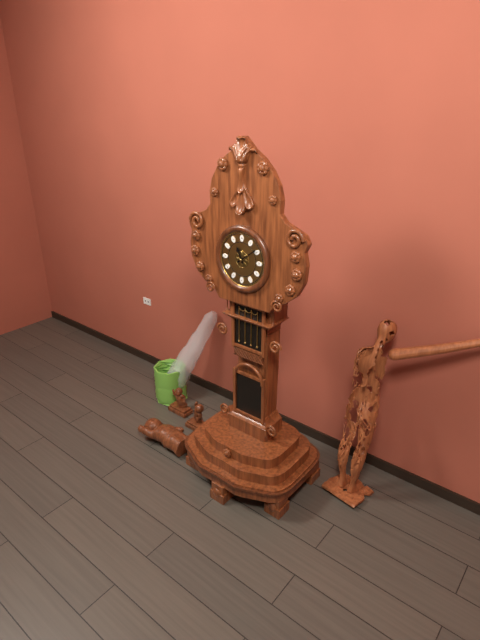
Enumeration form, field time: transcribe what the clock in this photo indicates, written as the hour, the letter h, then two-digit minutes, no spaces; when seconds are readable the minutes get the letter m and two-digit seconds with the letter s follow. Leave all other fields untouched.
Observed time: 11h09
